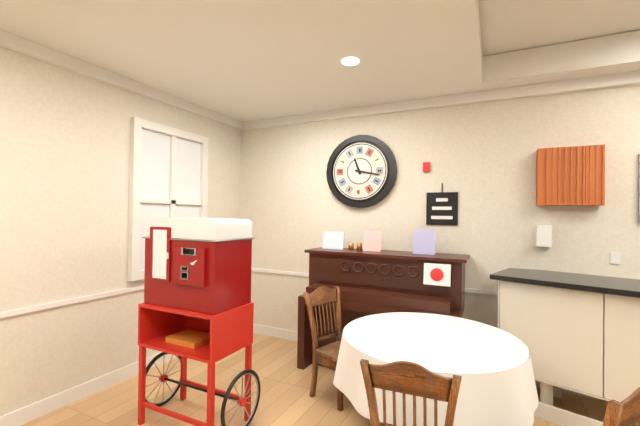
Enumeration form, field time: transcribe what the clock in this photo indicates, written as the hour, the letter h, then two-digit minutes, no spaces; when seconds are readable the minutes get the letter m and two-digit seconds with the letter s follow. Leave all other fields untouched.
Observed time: 11h17
